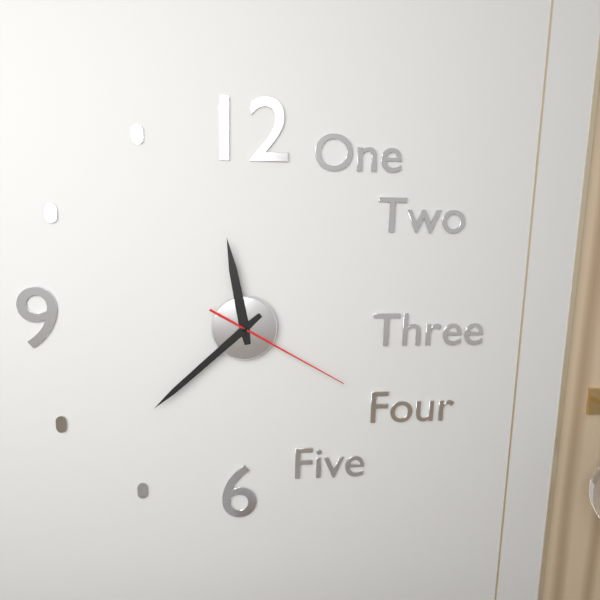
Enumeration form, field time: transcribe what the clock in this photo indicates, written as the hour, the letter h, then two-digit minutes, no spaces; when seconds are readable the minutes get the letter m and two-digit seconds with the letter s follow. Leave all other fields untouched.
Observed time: 11h38m20s
